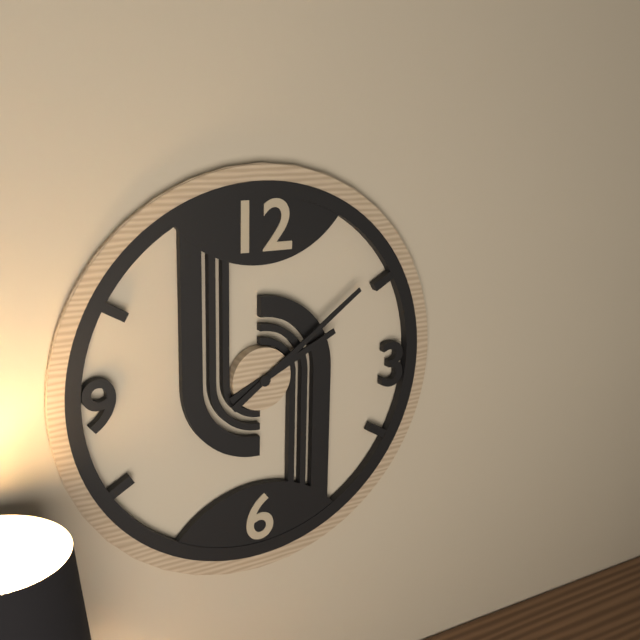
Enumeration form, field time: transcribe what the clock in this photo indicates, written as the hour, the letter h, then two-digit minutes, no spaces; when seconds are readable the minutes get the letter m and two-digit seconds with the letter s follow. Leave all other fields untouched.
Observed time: 2h09
